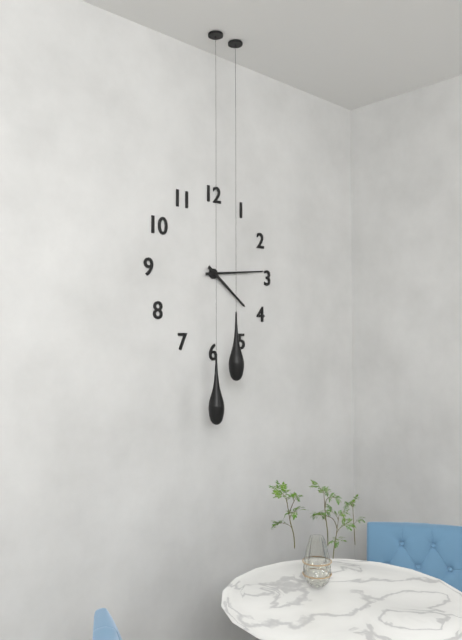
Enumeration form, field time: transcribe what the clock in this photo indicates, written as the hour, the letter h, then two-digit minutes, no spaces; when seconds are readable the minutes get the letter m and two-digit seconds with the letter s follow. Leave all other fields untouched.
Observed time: 4h14
